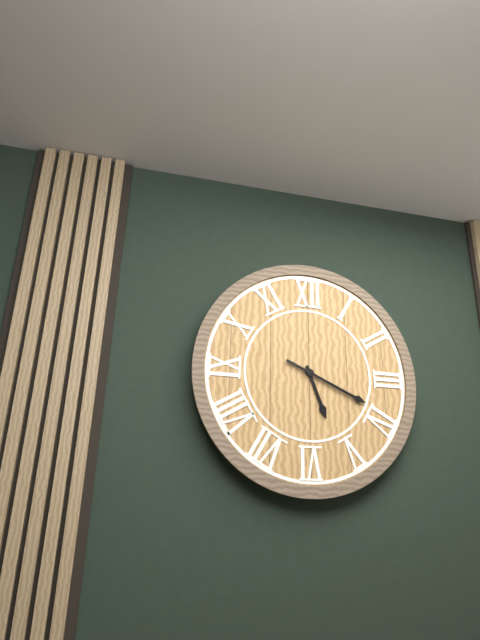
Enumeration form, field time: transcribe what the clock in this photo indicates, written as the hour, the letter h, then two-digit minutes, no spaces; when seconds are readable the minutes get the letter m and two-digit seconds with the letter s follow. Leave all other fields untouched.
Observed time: 5h19
